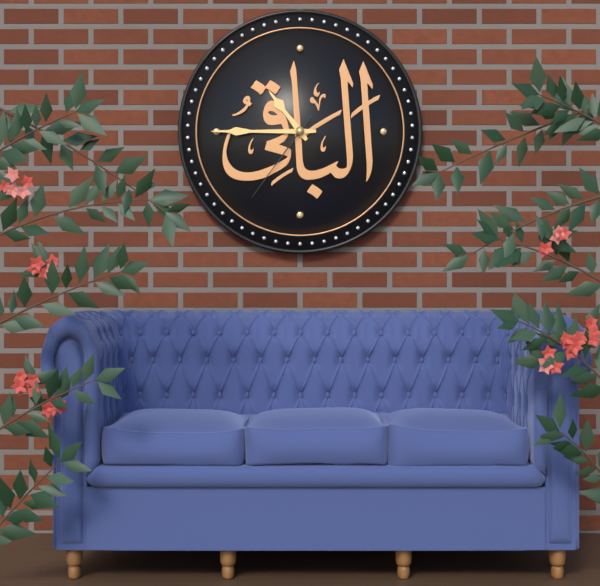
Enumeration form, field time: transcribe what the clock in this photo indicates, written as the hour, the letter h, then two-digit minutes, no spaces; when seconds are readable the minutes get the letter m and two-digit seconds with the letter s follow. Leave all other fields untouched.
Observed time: 10h45m36s
